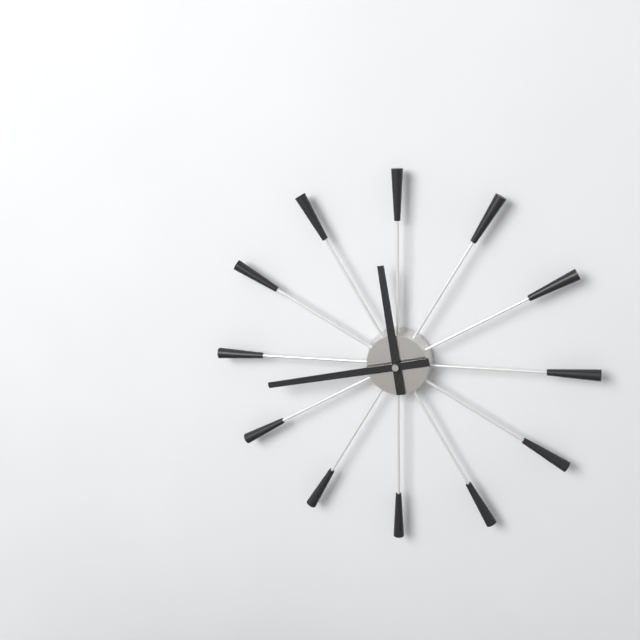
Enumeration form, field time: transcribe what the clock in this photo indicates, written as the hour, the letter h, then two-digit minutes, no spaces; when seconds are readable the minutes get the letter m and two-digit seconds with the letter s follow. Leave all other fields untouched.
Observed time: 11h43
